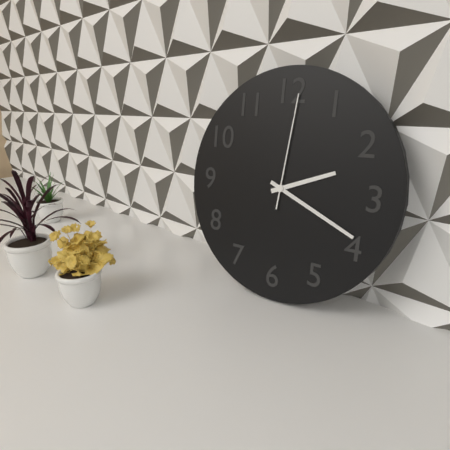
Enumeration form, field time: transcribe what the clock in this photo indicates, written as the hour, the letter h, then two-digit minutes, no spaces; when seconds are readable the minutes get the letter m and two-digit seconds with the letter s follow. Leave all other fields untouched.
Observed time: 2h19m01s
